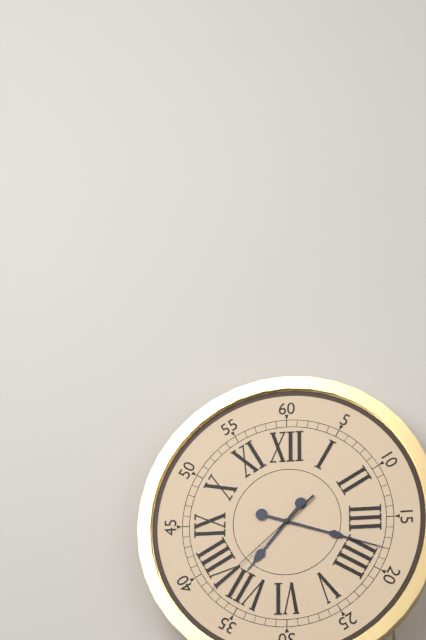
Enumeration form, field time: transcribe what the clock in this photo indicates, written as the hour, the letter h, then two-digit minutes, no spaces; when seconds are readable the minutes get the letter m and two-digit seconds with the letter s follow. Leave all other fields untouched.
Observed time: 7h18m38s
